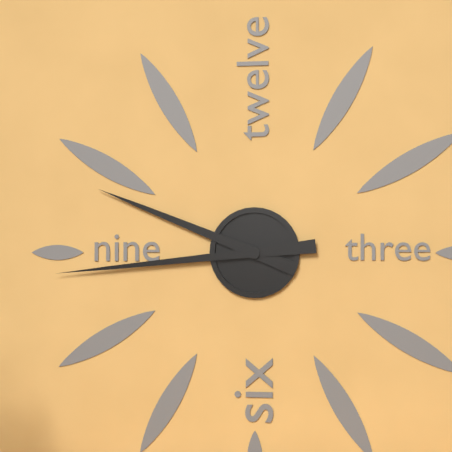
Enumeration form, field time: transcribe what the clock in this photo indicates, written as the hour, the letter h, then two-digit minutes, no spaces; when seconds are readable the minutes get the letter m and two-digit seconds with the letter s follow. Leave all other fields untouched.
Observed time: 9h44
